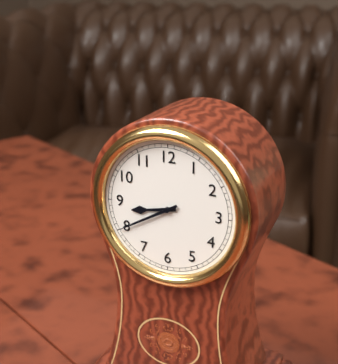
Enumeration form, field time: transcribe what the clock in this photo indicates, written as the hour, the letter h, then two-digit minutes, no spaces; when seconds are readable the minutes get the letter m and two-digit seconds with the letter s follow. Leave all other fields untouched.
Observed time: 8h40
